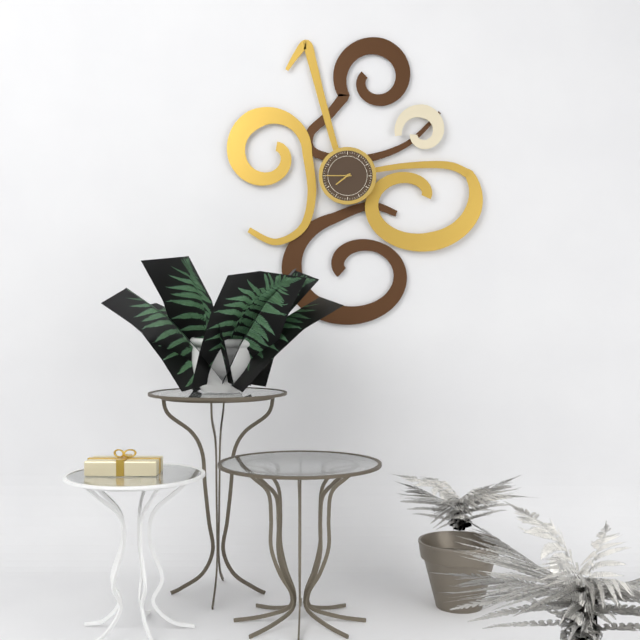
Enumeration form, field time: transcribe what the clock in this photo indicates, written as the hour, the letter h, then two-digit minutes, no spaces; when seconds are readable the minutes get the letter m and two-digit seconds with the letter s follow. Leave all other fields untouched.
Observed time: 7h45
